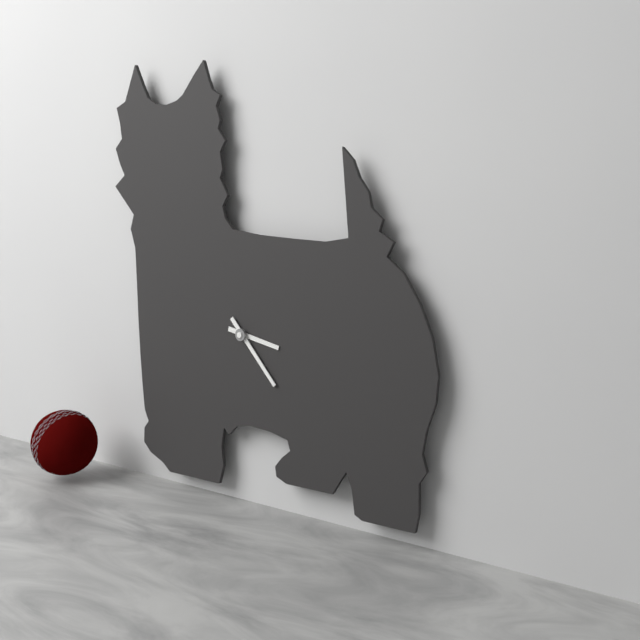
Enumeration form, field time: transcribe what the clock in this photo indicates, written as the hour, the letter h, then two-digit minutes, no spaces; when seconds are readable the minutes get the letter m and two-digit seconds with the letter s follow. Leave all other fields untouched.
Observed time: 3h23
